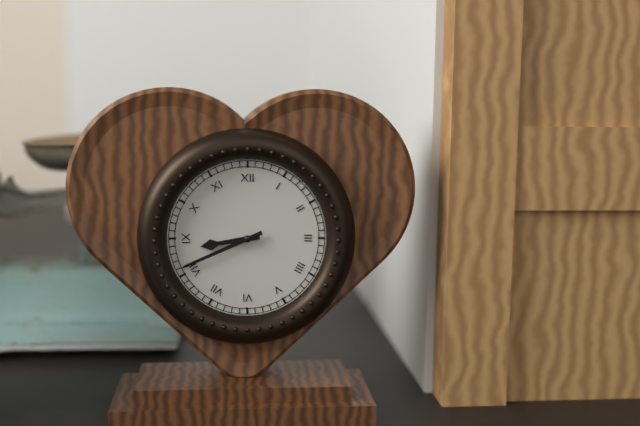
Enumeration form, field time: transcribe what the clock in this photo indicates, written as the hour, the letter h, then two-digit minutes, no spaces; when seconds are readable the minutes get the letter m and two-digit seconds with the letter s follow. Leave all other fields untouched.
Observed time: 8h41
